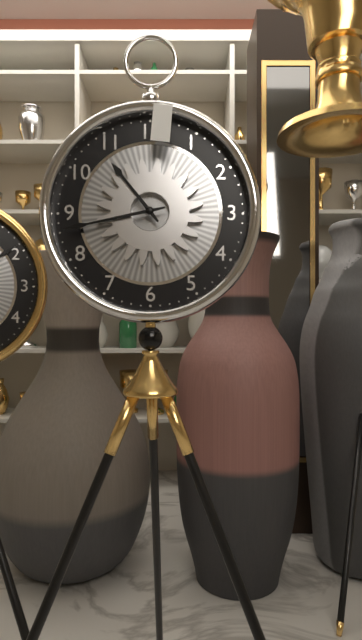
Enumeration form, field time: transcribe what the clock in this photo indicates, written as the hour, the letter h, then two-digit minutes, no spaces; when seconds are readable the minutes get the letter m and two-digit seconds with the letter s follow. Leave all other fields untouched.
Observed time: 10h43
